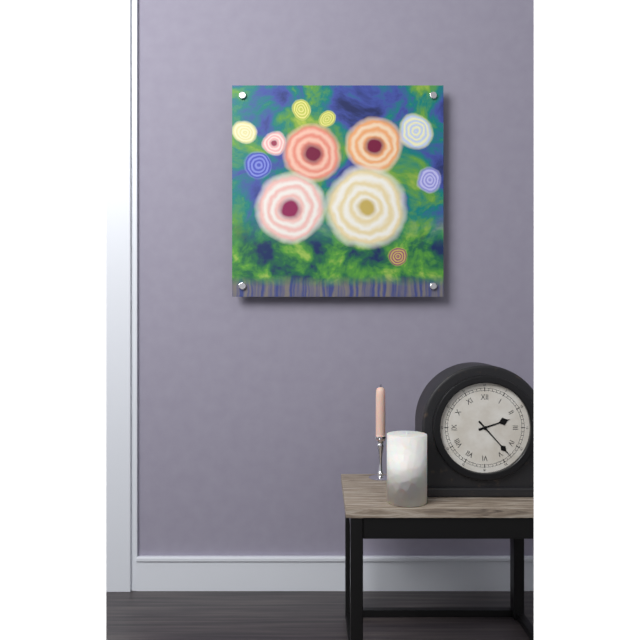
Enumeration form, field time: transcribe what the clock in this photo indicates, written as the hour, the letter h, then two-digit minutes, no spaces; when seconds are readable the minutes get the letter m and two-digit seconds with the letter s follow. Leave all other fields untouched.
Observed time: 2h23
